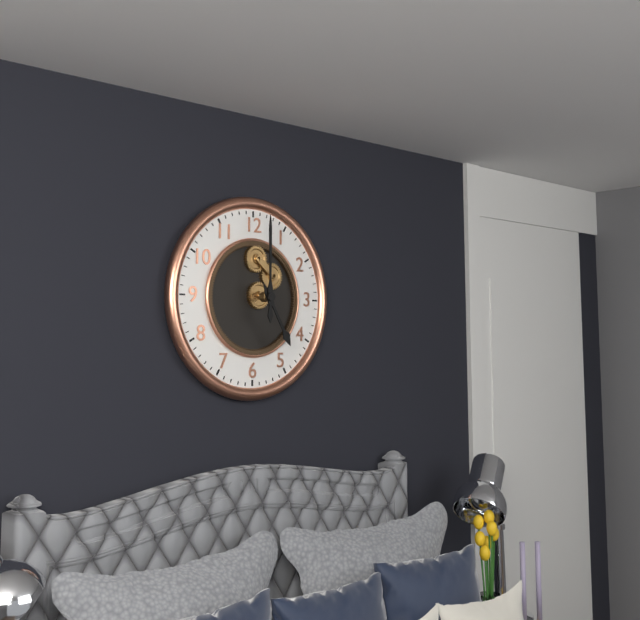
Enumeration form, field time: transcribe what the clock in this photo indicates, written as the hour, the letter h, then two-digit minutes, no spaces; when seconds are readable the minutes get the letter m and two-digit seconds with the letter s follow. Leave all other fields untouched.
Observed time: 5h00
